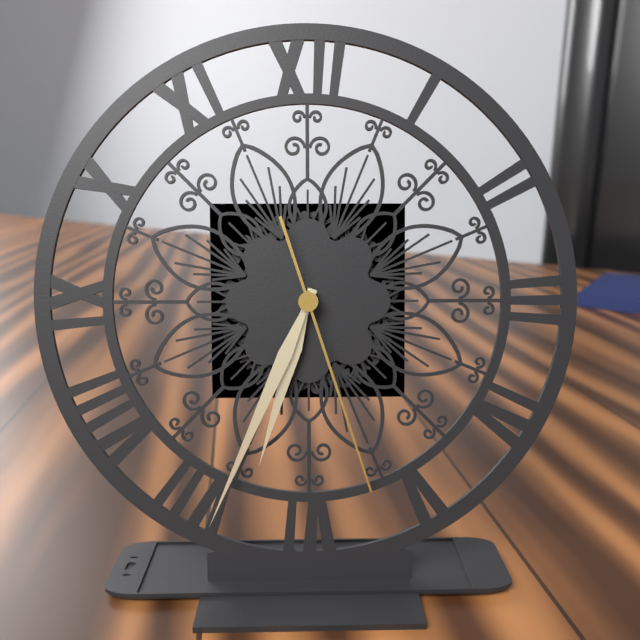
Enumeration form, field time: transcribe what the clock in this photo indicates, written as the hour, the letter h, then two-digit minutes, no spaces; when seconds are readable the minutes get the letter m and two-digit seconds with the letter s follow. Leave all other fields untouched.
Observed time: 6h34m27s
